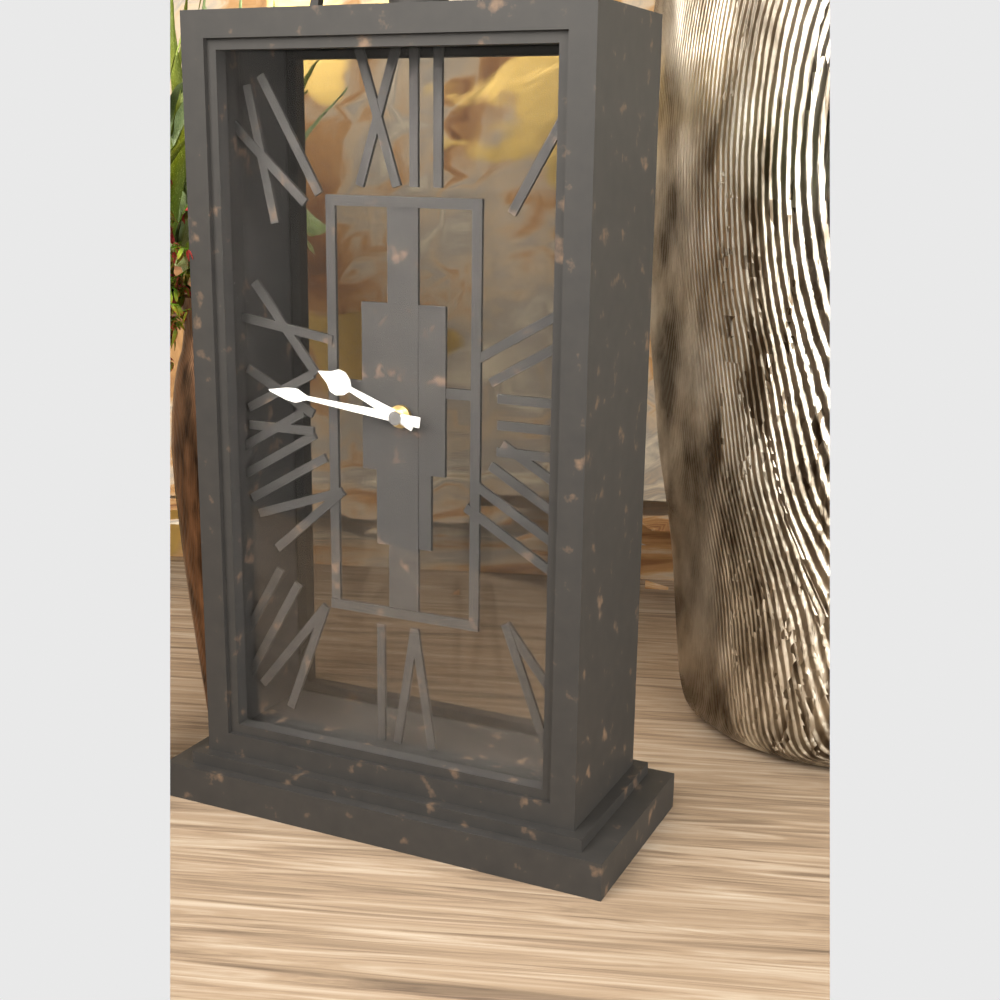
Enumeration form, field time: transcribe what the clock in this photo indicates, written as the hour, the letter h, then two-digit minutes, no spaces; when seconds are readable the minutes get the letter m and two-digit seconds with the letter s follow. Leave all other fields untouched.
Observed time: 9h46
